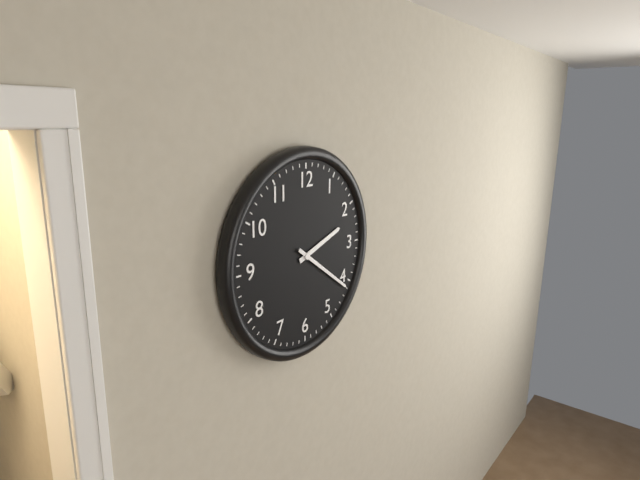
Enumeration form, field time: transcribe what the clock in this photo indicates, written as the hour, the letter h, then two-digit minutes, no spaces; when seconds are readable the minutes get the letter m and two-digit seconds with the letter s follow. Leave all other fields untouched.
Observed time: 2h21
